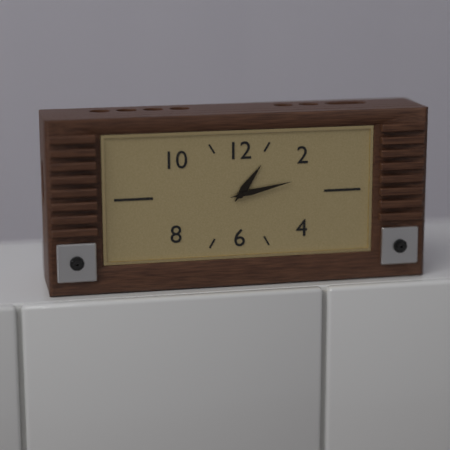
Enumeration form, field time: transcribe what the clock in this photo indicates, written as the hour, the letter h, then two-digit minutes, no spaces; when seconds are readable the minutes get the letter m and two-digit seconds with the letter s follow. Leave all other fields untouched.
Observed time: 1h13
